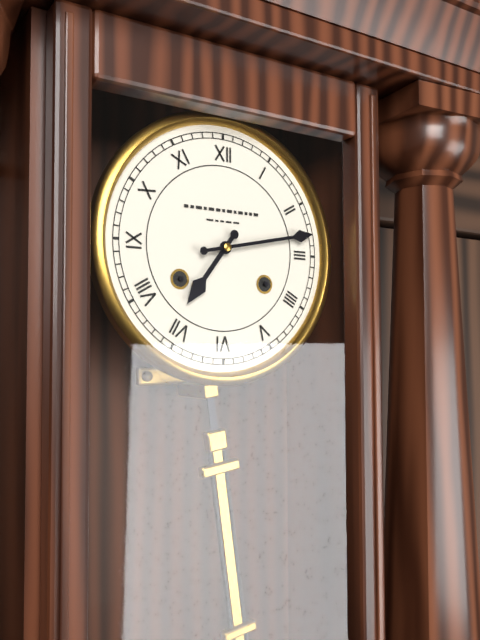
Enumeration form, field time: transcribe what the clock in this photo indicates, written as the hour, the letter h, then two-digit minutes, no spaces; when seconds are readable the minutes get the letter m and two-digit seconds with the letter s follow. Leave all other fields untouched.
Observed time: 7h13
